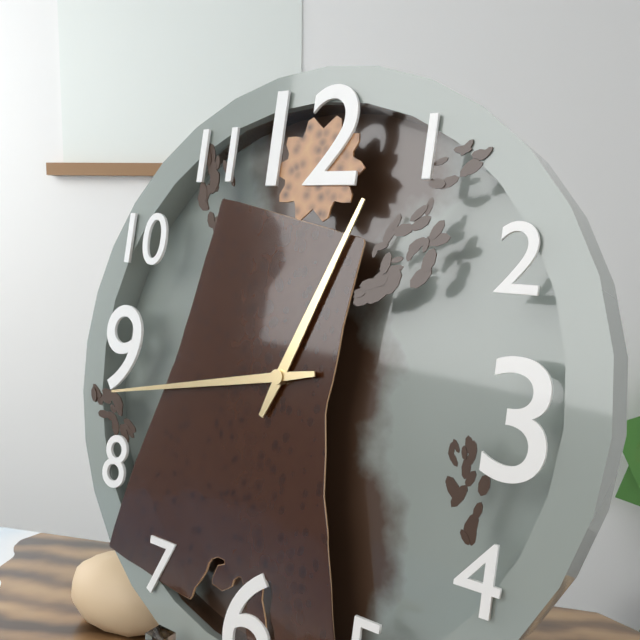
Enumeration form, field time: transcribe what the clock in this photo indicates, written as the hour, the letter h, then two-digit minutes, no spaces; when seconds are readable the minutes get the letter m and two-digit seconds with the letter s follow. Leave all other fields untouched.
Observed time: 12h43
